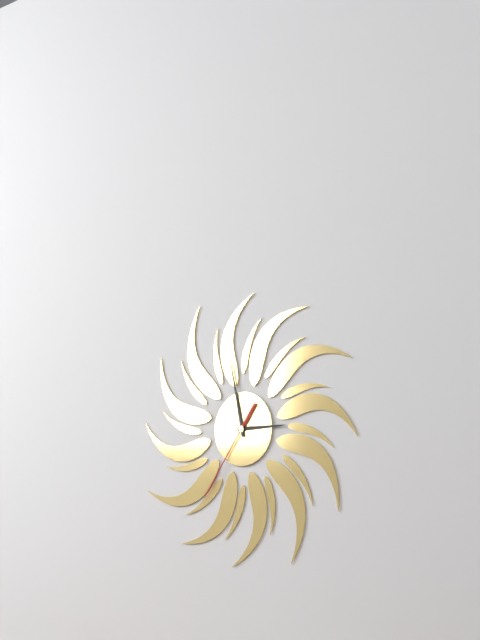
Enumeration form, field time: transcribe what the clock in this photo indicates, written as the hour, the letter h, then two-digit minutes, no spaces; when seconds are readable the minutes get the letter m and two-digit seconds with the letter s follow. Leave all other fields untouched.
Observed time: 2h58m36s
